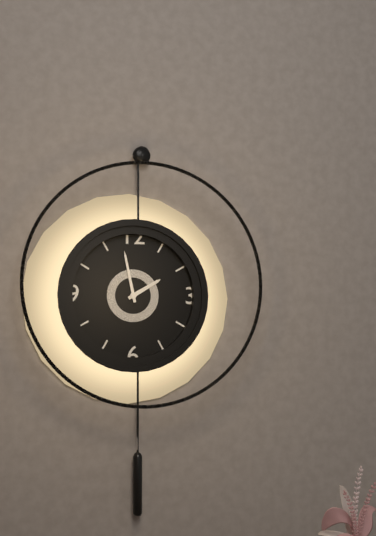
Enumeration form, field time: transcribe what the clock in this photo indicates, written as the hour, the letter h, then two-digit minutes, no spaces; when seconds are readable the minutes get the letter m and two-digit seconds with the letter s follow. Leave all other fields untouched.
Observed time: 1h58
